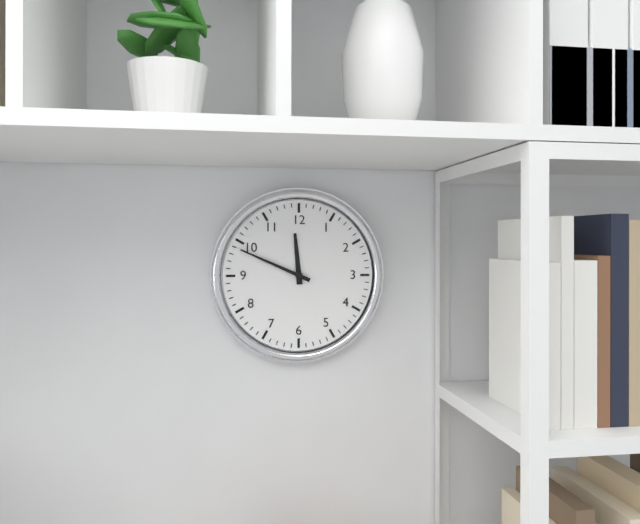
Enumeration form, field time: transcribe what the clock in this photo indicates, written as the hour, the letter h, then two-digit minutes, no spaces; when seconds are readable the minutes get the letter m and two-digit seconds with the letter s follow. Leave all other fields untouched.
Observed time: 11h49
